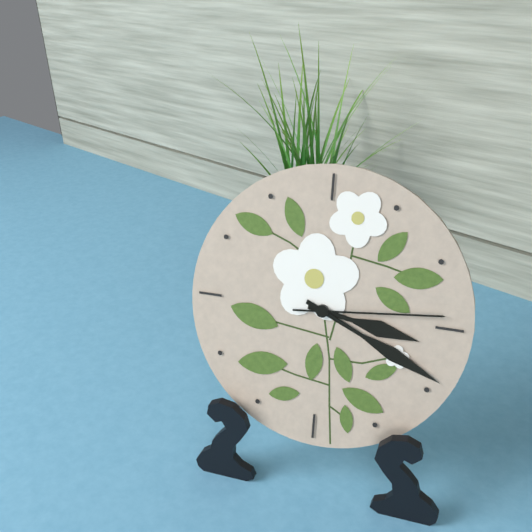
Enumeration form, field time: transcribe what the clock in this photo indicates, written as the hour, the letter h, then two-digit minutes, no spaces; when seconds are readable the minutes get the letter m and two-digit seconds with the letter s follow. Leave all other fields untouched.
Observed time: 3h19m14s
